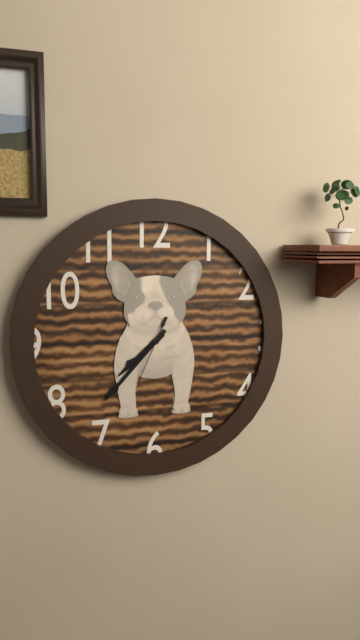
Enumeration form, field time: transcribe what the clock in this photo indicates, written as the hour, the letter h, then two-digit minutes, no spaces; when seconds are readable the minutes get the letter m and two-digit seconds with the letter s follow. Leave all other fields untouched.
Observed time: 7h37m34s
